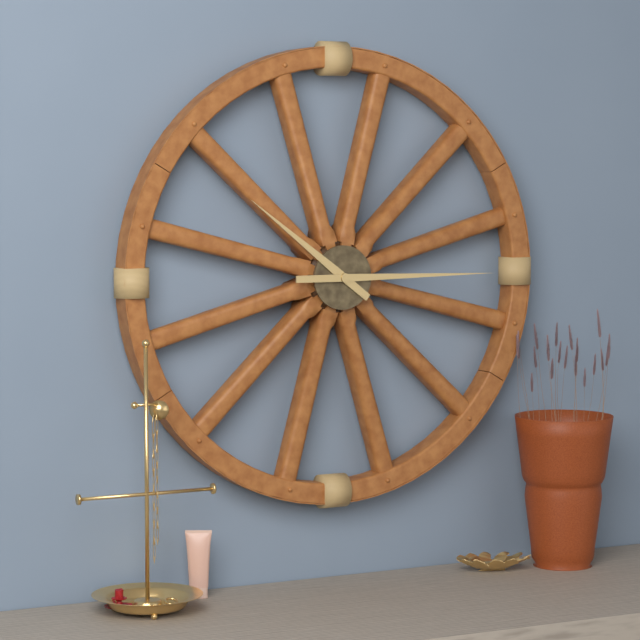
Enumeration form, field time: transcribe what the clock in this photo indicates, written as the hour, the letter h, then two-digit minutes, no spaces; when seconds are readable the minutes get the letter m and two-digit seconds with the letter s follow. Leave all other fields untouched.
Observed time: 10h15
